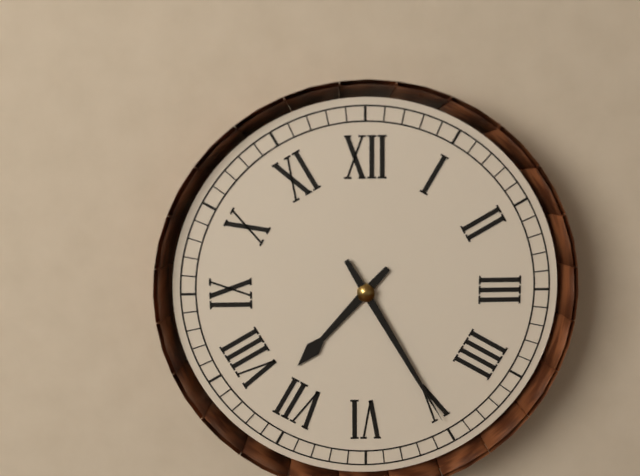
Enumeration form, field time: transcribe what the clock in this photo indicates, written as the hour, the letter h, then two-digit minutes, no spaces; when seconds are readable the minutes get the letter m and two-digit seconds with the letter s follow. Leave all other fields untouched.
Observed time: 7h25
